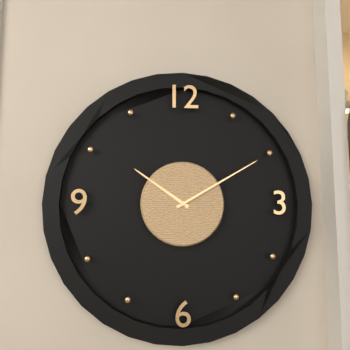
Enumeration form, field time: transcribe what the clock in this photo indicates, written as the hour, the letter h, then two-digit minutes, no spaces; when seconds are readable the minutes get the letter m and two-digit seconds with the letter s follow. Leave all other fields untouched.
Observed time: 10h10
